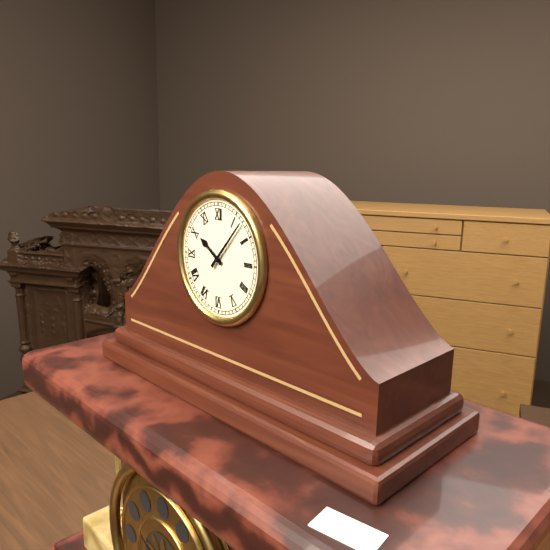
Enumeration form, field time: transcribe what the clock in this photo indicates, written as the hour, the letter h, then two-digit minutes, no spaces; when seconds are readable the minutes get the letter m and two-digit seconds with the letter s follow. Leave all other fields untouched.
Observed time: 10h07
